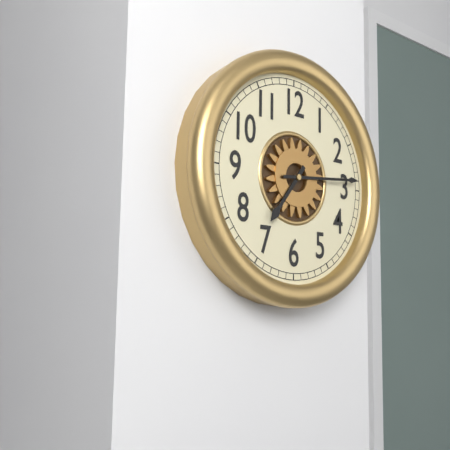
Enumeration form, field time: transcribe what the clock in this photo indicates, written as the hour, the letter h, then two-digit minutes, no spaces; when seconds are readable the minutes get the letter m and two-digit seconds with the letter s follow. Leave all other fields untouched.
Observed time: 7h14
